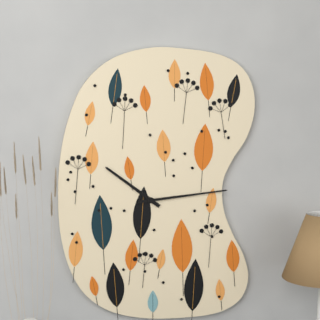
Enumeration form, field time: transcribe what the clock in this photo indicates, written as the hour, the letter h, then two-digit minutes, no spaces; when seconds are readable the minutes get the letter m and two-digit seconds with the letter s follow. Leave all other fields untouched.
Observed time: 10h14
